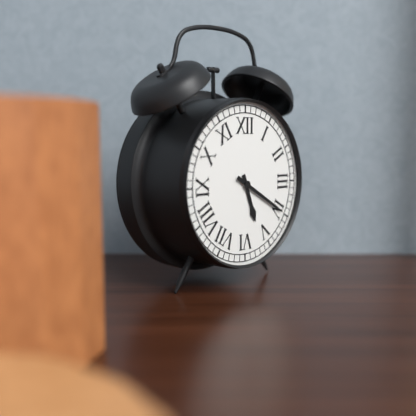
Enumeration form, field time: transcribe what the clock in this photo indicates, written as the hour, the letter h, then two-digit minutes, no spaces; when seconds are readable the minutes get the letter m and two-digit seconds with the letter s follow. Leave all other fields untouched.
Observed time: 5h20
